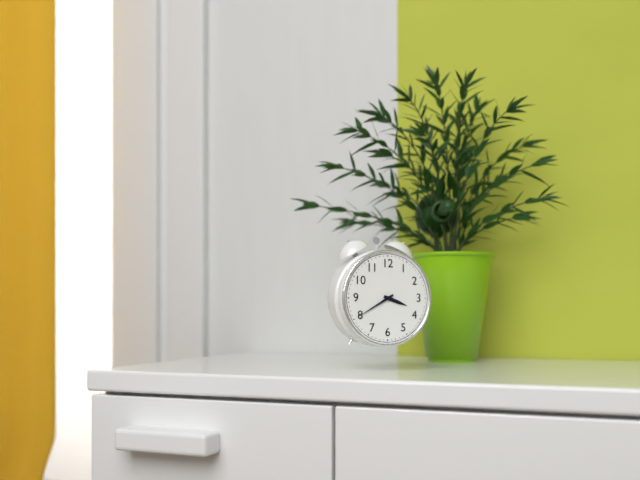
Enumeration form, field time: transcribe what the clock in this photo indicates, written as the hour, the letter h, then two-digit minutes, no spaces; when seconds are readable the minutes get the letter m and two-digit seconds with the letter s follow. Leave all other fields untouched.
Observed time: 3h40
